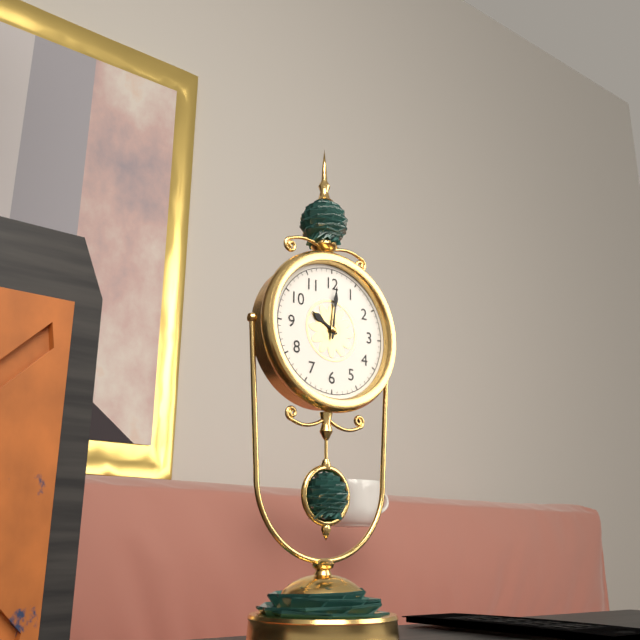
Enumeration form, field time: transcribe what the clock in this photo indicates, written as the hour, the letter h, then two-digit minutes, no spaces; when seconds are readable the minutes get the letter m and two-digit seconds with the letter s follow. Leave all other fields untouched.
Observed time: 10h01
